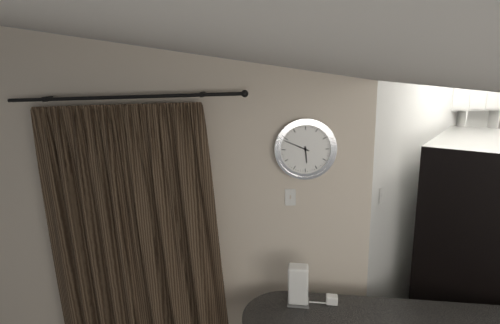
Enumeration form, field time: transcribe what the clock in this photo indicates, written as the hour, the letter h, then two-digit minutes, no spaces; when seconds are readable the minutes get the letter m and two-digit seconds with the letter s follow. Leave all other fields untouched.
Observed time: 5h49
